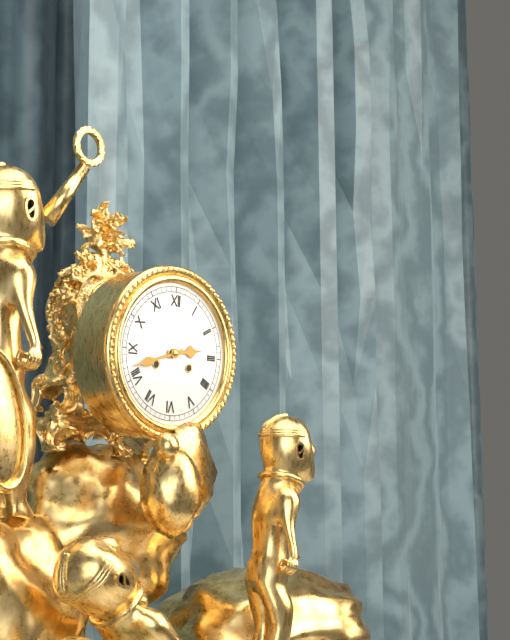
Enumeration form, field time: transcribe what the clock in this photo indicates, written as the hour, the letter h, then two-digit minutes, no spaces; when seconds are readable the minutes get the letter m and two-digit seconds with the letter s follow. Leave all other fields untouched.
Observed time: 2h42
